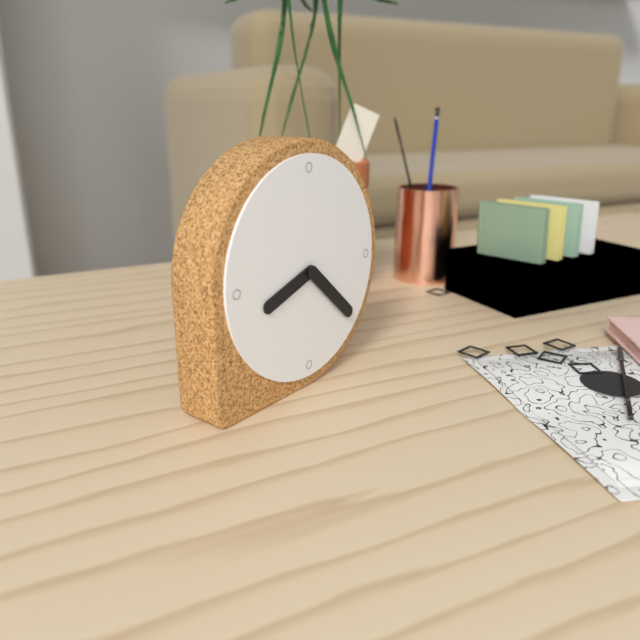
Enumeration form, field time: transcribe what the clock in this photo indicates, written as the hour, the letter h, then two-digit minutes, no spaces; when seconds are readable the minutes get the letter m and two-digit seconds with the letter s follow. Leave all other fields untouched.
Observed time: 8h22
